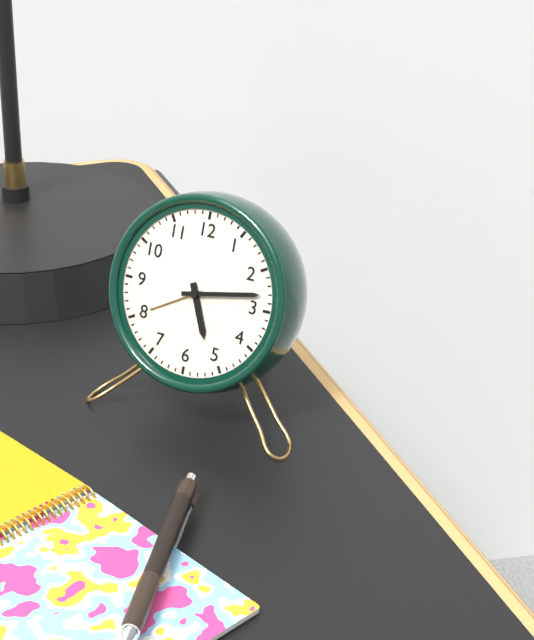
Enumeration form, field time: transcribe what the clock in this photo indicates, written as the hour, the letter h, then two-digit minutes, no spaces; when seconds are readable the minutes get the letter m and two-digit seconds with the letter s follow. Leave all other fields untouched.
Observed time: 5h13
